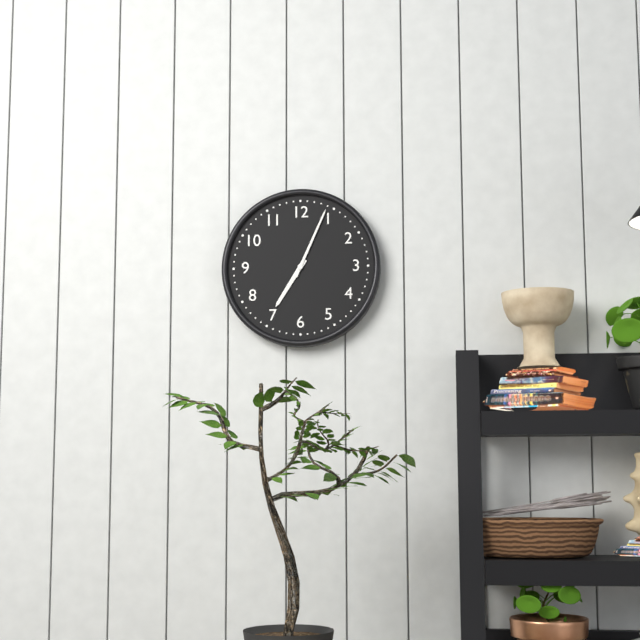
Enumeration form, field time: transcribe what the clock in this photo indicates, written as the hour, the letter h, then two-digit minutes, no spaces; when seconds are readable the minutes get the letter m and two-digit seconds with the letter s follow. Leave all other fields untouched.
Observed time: 7h04
